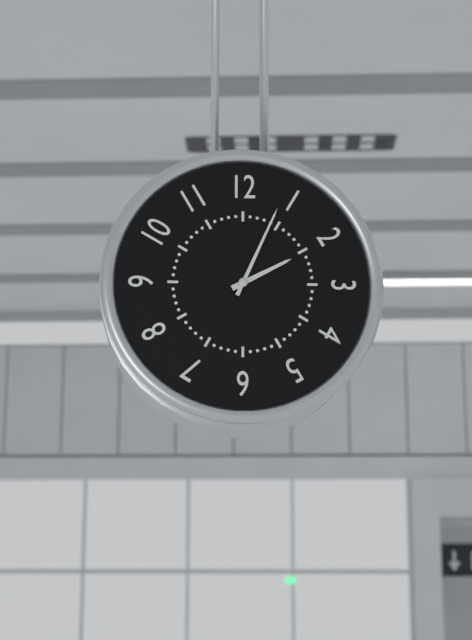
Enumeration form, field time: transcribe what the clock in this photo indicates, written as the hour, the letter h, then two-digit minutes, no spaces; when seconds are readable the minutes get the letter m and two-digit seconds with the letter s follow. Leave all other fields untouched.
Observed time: 2h04
